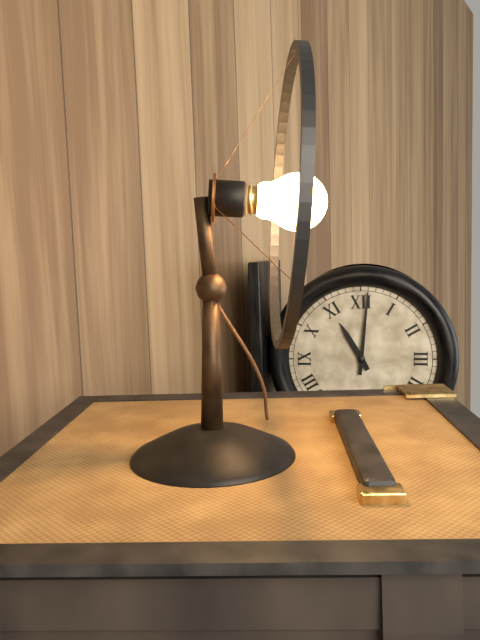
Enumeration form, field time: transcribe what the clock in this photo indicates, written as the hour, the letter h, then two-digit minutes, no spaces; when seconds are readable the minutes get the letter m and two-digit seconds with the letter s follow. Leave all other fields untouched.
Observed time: 11h01
